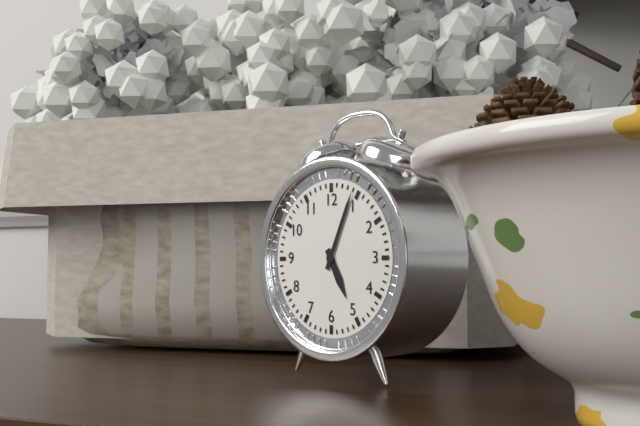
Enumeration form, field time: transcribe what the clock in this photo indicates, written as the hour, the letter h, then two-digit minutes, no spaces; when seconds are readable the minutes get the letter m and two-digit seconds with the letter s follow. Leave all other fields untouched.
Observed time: 5h04
